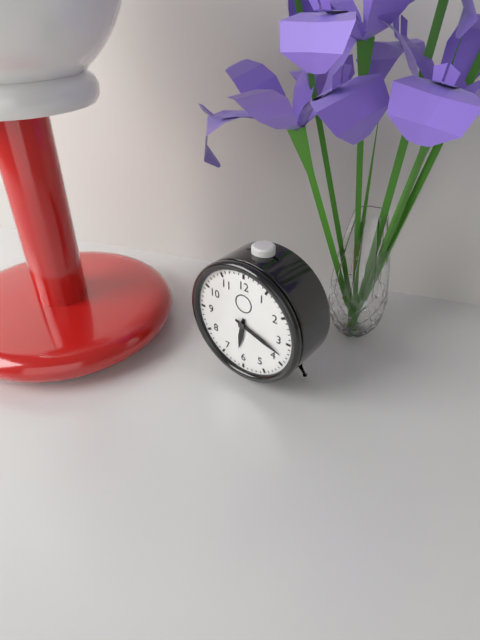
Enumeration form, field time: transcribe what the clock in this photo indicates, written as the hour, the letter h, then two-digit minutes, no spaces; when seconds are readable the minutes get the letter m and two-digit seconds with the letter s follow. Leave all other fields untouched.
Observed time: 6h18
